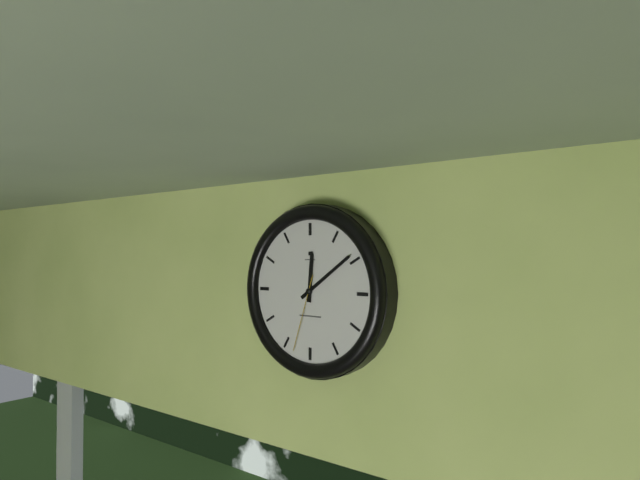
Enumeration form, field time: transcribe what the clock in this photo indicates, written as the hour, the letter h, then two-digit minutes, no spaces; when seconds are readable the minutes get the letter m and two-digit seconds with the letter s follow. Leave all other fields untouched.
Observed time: 12h09m33s
